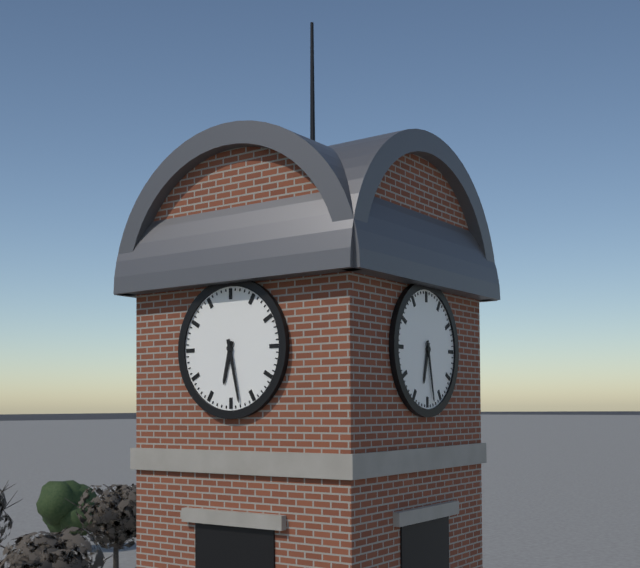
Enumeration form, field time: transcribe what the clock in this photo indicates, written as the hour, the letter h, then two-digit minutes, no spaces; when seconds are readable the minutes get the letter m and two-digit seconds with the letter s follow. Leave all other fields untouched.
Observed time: 6h28
